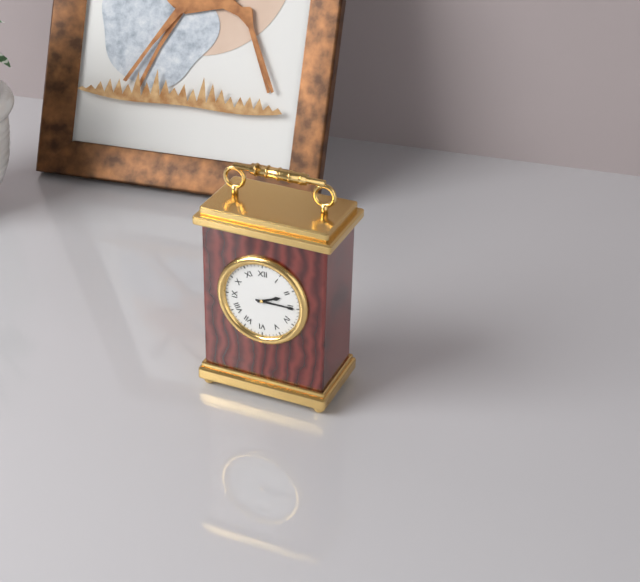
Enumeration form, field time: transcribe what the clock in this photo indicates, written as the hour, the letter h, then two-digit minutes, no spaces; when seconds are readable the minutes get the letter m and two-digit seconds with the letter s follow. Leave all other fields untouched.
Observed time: 2h15
